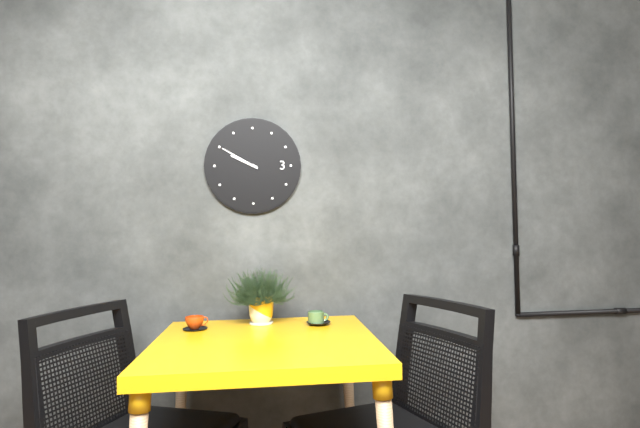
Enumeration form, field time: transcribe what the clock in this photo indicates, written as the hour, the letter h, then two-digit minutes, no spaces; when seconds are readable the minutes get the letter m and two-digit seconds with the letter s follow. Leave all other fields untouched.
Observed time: 9h50
